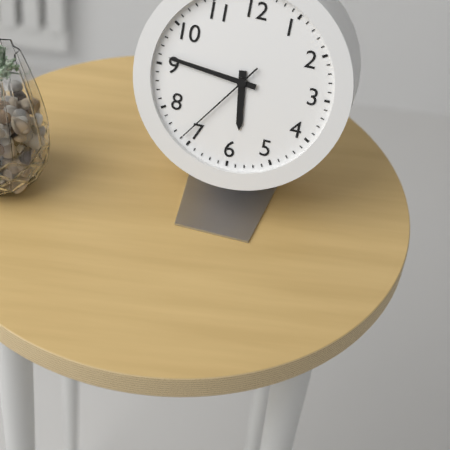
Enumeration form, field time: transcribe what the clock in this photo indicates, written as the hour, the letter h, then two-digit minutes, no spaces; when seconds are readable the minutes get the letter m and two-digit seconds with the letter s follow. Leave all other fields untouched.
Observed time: 5h46m36s
